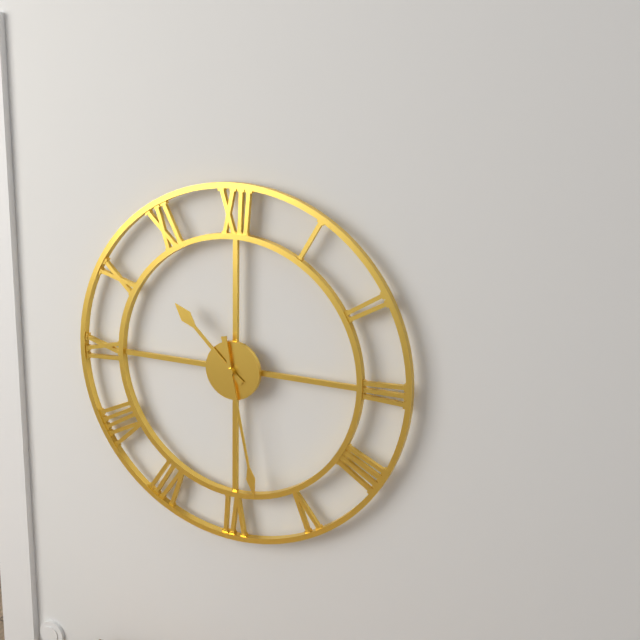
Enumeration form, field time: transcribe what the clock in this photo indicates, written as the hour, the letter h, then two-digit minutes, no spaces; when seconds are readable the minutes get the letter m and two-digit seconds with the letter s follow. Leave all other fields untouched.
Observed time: 10h28
